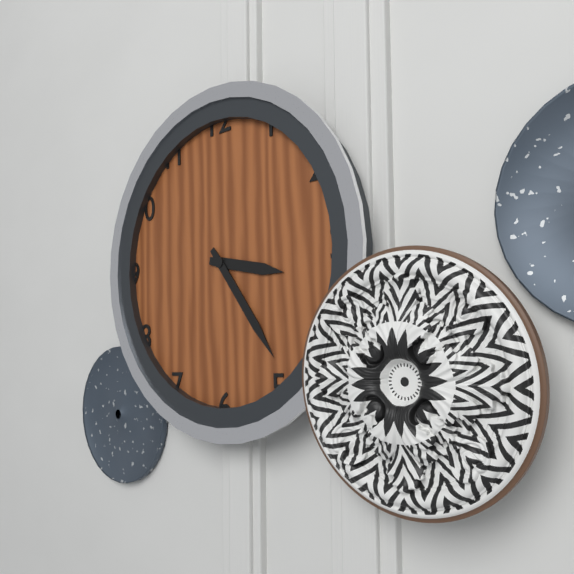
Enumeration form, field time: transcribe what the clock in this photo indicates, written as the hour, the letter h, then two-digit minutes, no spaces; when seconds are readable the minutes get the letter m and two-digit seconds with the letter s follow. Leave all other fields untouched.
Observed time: 3h24
